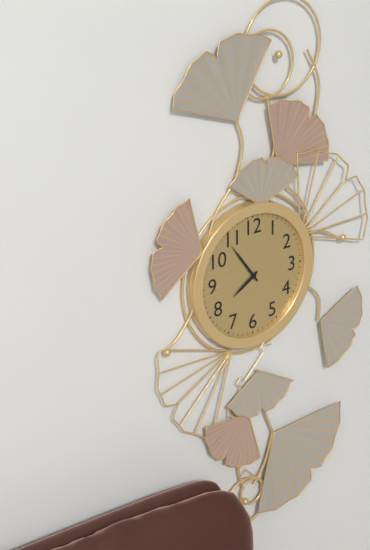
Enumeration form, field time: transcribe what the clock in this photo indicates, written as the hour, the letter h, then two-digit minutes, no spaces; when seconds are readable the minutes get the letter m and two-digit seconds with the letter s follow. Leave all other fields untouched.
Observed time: 7h54
